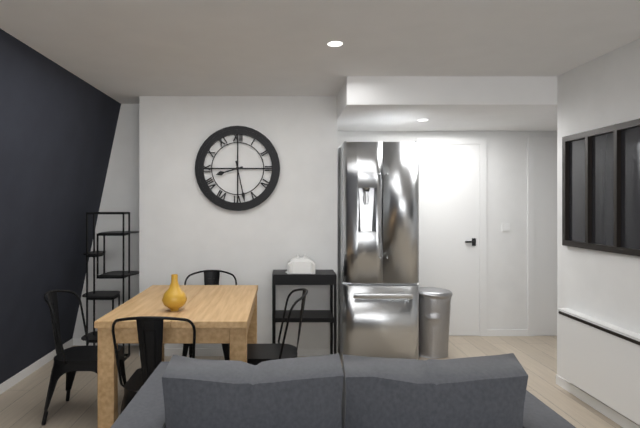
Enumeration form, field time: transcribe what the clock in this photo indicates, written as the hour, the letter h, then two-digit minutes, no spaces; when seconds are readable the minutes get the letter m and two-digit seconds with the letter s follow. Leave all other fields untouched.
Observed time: 8h28
